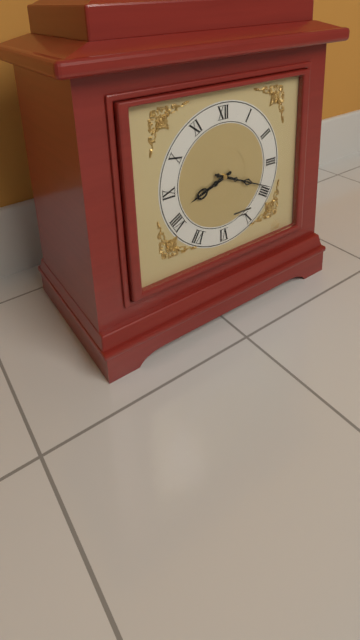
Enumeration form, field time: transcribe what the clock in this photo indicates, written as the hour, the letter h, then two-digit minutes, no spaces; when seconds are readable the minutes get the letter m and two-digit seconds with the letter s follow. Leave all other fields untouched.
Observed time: 8h19
